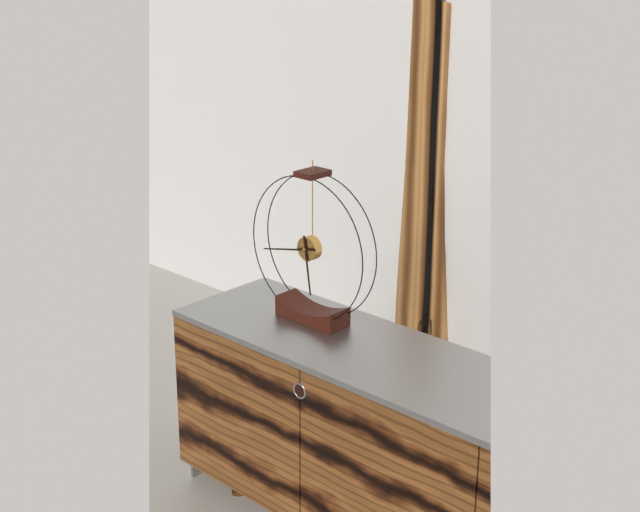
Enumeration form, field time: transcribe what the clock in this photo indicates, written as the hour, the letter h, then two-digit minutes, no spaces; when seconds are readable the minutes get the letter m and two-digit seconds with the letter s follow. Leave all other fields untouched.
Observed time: 5h43
